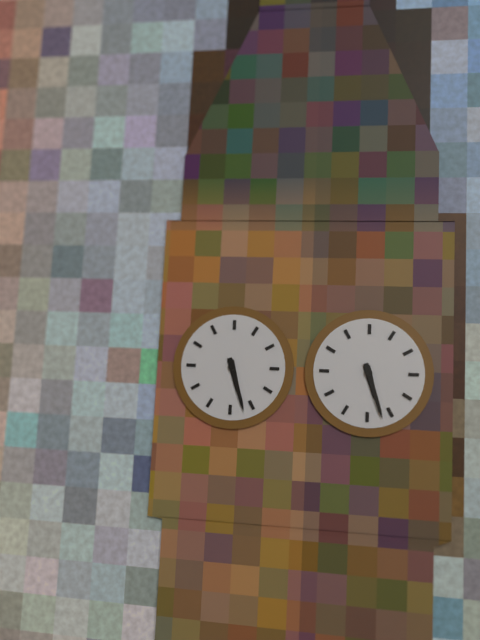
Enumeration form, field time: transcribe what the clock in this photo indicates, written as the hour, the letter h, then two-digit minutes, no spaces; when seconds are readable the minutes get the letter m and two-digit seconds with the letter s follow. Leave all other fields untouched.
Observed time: 5h27
